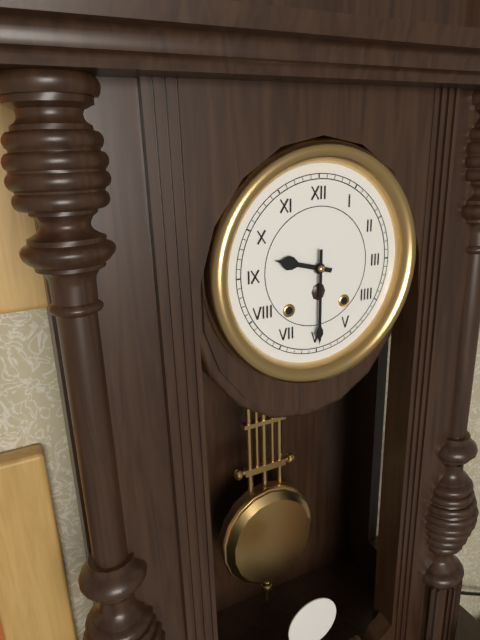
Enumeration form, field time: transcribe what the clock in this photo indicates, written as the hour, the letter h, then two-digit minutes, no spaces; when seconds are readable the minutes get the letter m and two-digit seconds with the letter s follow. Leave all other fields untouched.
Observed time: 9h30
